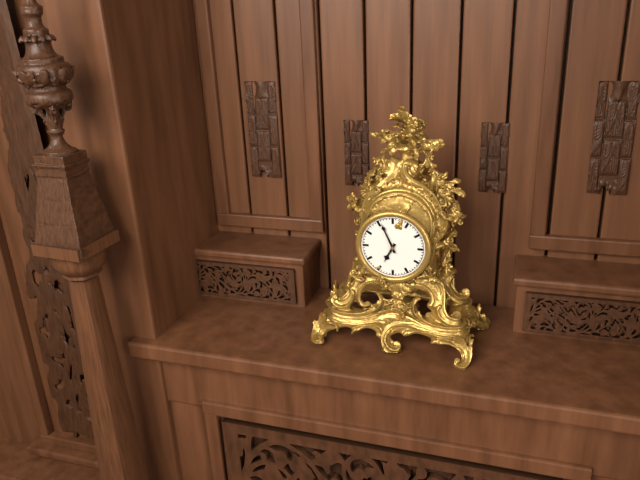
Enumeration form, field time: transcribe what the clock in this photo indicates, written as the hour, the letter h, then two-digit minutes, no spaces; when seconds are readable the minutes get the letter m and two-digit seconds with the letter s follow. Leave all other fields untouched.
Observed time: 6h56
